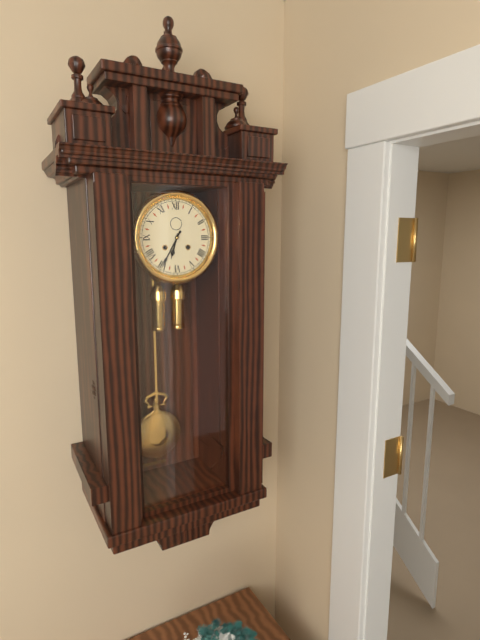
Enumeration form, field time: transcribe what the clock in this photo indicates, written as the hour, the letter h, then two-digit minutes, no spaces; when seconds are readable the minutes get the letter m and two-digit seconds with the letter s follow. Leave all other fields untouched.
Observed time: 6h35
